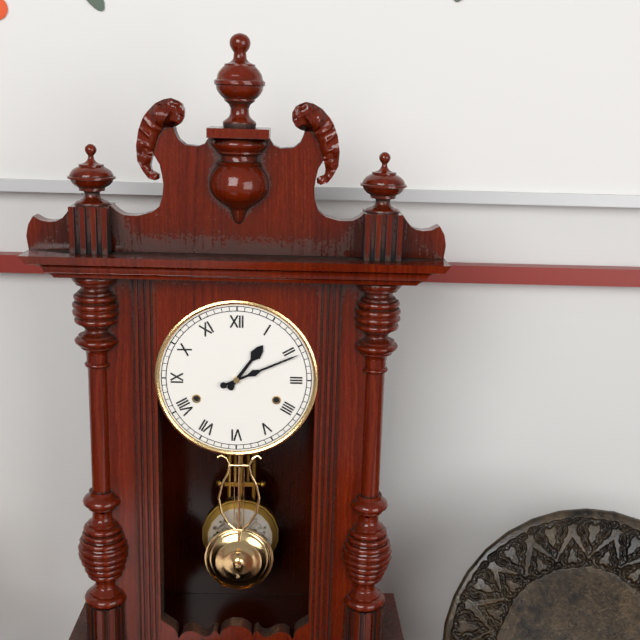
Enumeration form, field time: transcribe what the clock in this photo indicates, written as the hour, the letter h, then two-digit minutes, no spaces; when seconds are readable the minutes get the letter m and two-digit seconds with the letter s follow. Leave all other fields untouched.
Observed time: 1h11
